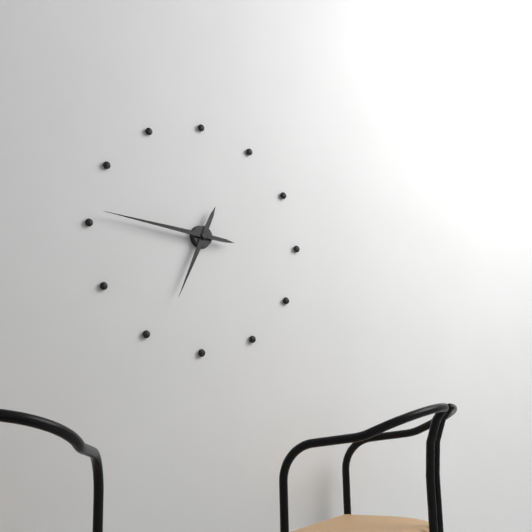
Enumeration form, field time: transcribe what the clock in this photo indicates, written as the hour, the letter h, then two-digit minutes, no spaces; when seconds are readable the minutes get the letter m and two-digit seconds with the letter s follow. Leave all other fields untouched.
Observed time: 6h46
